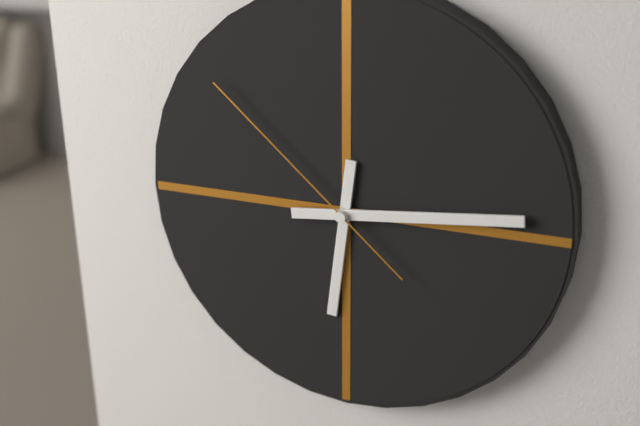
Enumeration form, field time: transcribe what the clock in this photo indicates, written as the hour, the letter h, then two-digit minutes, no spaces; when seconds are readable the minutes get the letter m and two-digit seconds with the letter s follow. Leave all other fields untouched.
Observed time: 6h14m52s
